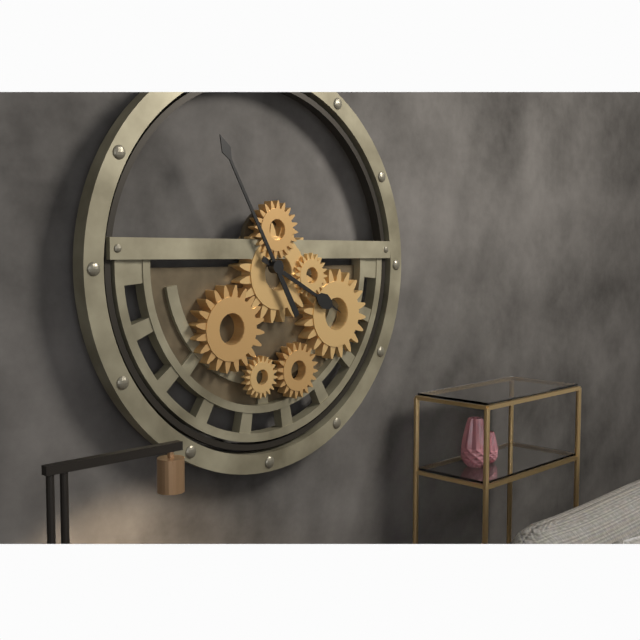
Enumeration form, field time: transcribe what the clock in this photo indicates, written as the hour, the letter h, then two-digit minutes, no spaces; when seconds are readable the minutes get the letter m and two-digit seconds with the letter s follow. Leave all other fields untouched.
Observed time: 3h55
